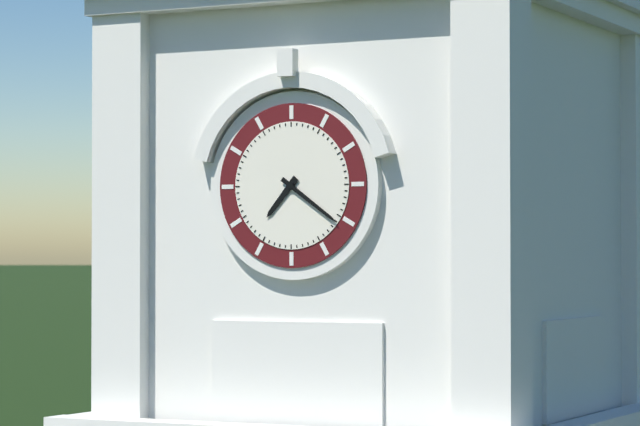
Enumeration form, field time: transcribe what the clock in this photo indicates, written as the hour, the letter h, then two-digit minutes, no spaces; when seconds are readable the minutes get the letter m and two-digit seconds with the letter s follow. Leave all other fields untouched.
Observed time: 7h21
